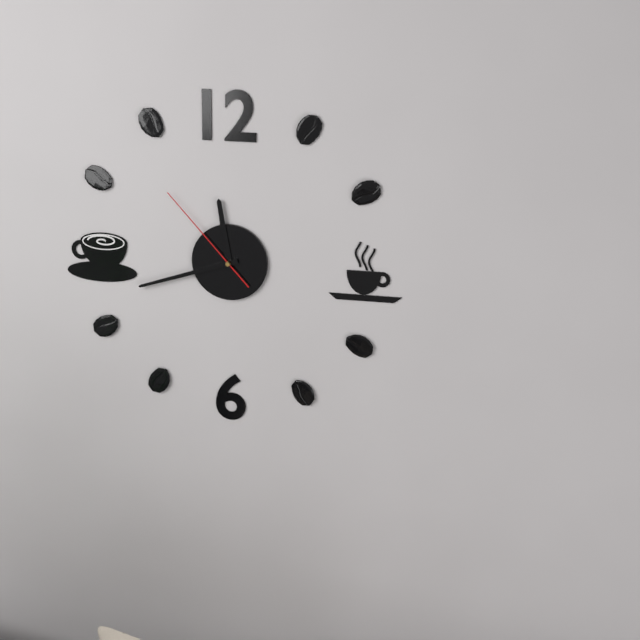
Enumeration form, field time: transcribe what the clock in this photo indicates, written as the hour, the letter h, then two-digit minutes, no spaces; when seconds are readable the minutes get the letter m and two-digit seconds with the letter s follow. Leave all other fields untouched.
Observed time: 11h42m53s
